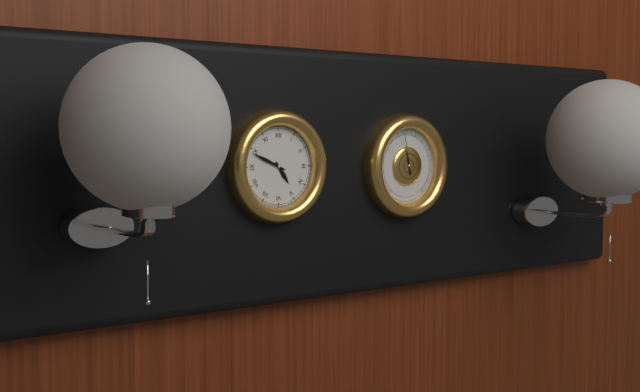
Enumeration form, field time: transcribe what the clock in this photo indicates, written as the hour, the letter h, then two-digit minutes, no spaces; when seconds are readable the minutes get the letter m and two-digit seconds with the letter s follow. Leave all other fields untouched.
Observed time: 4h49
